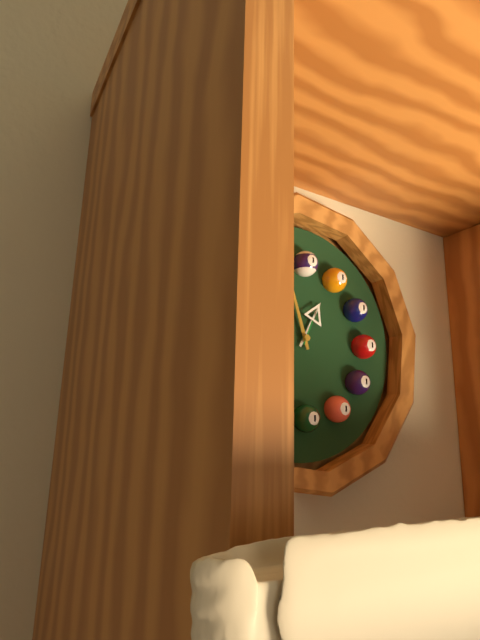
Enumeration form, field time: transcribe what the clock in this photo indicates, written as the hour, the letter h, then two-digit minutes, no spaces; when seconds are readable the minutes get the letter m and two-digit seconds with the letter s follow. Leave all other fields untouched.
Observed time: 12h57m04s
